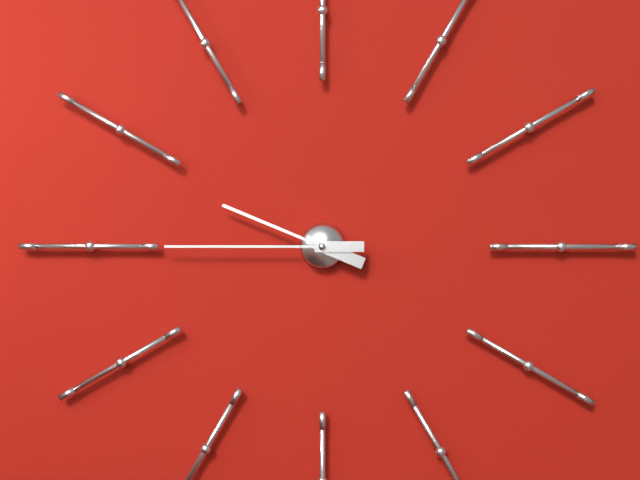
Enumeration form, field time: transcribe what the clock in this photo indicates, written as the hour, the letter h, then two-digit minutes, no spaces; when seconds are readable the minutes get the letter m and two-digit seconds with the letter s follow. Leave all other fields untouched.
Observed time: 9h45
